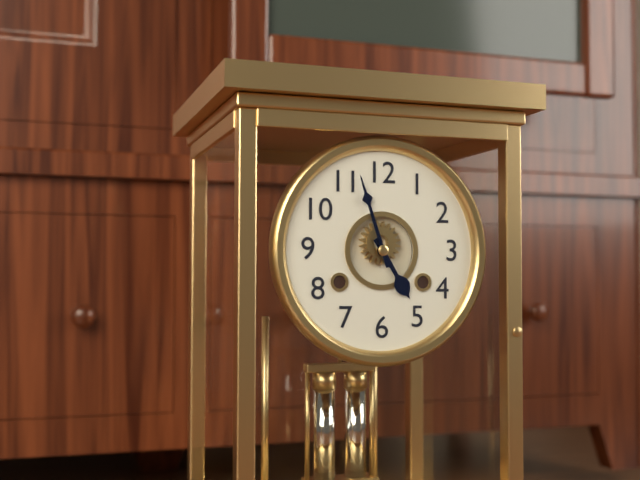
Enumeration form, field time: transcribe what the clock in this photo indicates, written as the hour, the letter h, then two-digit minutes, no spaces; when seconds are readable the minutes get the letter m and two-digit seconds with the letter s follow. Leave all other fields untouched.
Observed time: 4h57
